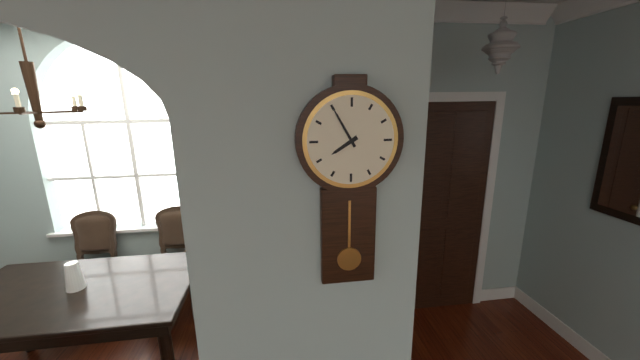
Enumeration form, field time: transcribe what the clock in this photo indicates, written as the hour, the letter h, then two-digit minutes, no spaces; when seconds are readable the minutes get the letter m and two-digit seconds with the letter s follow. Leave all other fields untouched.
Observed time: 7h55
